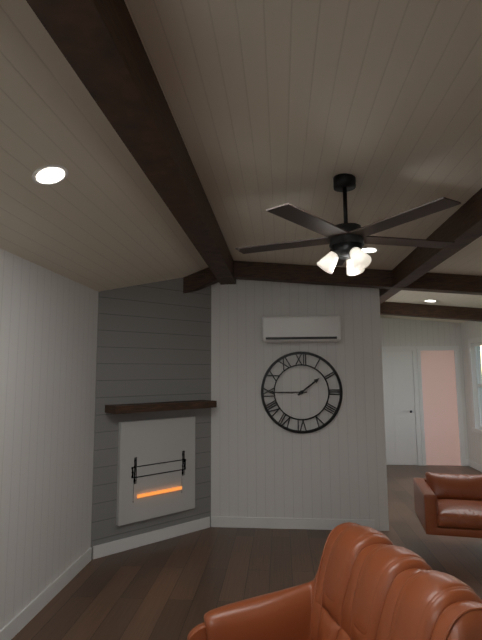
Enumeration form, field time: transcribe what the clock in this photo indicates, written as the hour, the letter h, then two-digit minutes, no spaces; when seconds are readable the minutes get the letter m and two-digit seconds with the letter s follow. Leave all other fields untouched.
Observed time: 1h45
